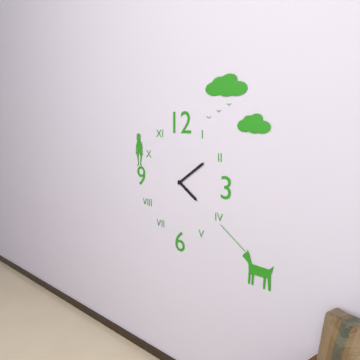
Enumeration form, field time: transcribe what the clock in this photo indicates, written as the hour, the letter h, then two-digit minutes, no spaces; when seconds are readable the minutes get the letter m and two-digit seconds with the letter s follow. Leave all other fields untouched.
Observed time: 4h09
